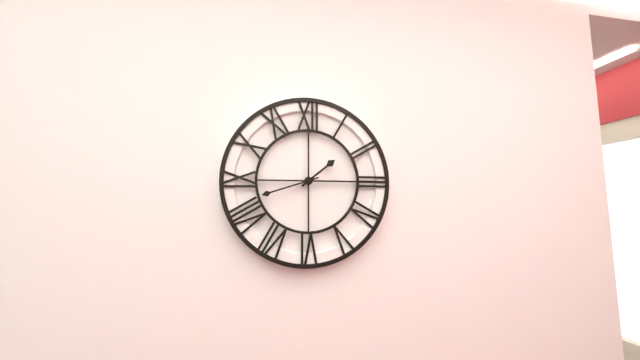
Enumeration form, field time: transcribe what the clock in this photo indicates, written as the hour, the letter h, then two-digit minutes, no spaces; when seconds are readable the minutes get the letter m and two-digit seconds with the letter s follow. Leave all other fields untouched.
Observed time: 1h42
